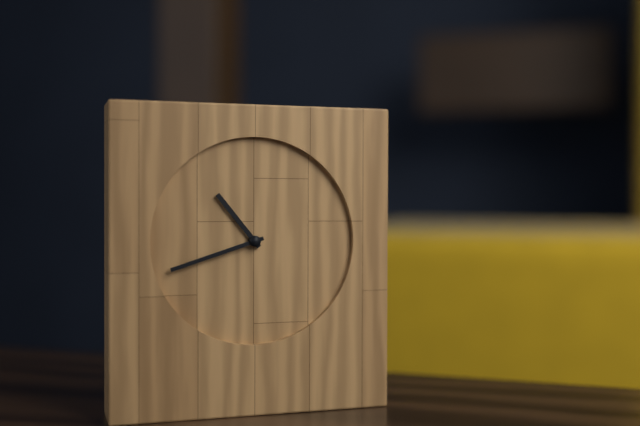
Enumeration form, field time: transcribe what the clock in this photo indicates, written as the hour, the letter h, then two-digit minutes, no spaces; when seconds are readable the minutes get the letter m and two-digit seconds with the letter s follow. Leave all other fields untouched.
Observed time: 10h42
